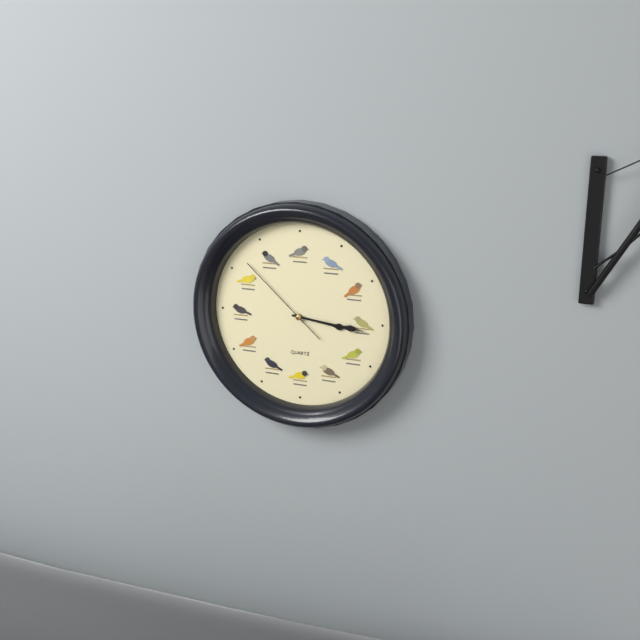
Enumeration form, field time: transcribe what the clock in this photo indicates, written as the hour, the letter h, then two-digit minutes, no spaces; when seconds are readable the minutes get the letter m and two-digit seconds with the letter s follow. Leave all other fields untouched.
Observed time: 3h16m52s
